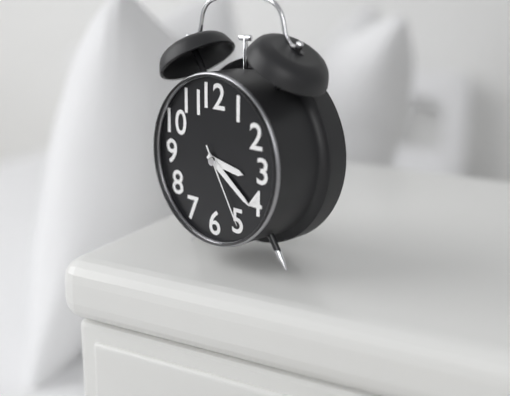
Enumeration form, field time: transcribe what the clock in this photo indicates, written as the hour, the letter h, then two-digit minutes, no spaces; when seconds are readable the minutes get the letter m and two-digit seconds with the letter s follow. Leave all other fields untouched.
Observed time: 3h21m25s
